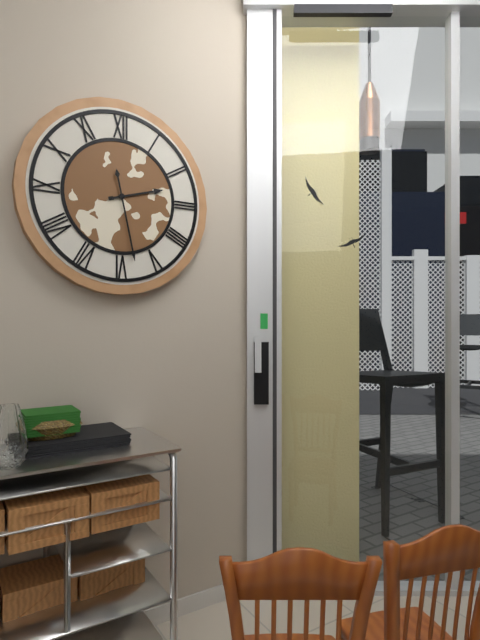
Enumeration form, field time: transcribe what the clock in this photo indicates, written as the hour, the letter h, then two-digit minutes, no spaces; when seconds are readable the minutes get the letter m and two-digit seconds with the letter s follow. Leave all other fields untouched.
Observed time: 2h28
